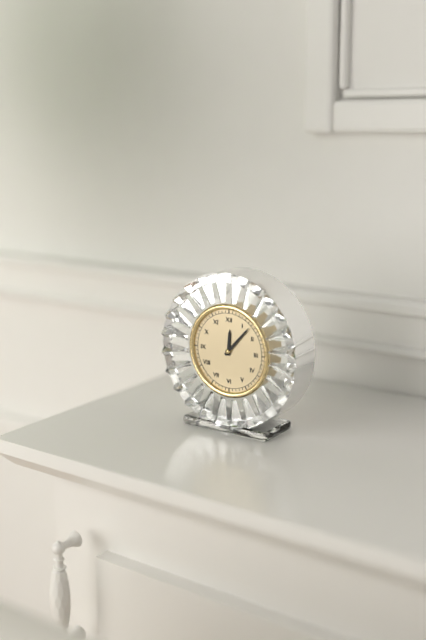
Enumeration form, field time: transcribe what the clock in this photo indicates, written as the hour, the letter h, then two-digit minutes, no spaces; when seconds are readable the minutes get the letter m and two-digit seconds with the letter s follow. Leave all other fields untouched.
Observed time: 12h07
